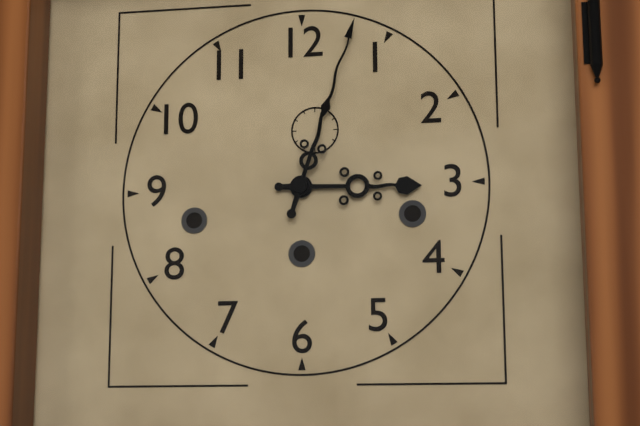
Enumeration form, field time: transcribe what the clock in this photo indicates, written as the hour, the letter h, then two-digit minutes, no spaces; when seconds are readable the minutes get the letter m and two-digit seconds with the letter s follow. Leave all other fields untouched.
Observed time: 3h03
